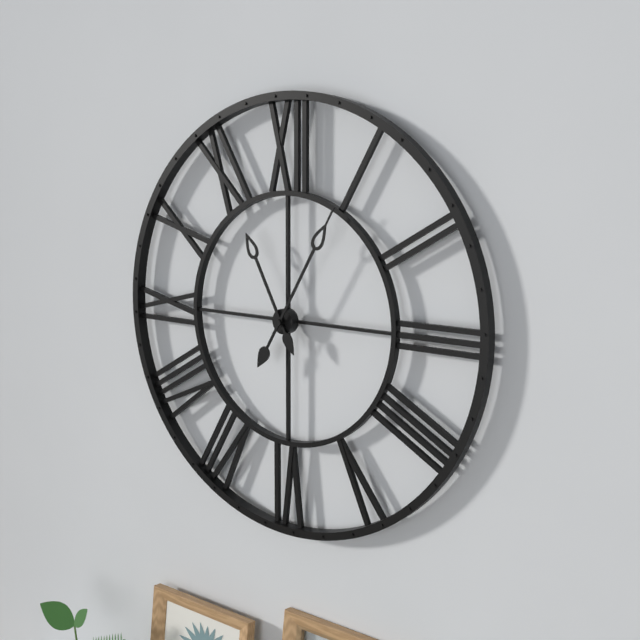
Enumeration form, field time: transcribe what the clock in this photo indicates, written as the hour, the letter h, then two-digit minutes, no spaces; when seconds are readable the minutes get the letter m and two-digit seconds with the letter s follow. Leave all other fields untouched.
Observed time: 11h05
